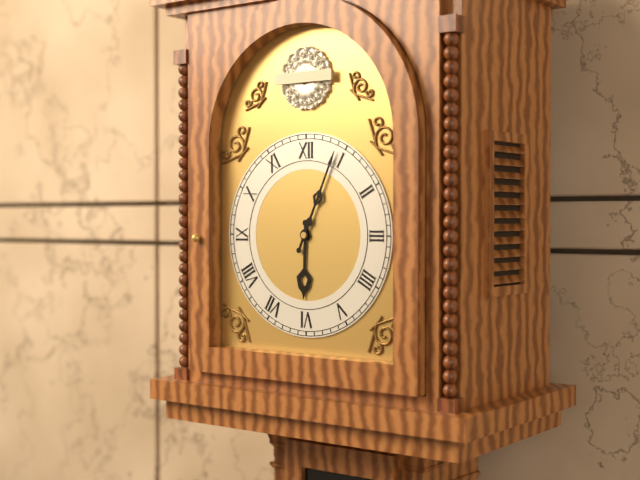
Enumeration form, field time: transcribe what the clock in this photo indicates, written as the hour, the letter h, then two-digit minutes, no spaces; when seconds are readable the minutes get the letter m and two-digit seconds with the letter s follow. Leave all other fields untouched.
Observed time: 6h04
